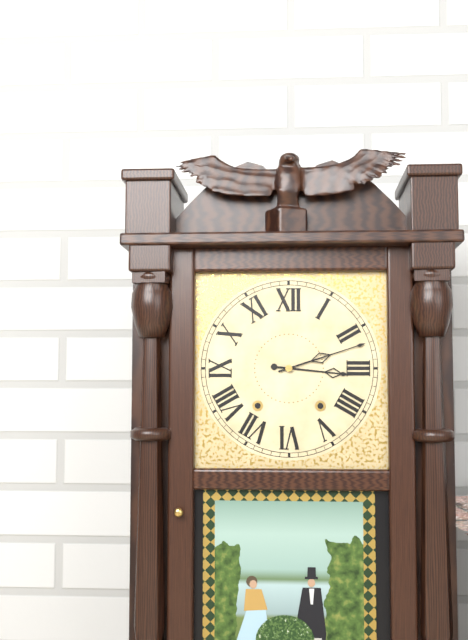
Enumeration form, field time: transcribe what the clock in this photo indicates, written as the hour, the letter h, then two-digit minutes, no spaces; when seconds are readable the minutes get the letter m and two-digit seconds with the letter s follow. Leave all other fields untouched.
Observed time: 3h12
